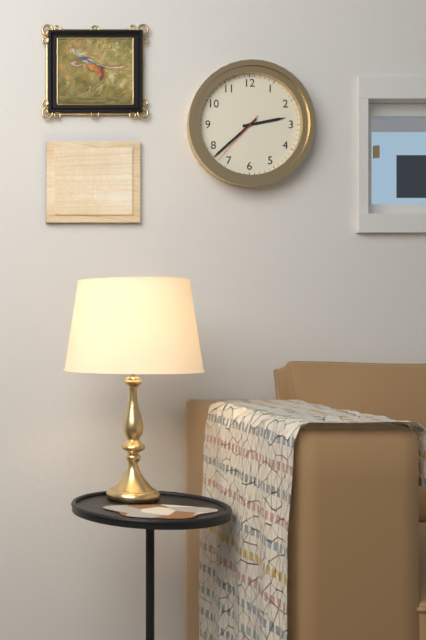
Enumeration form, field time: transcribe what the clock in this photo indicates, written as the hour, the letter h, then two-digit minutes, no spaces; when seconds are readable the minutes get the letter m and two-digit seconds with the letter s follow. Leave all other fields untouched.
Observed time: 2h38m37s
